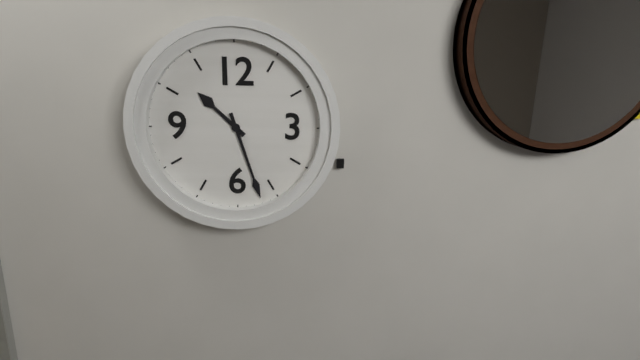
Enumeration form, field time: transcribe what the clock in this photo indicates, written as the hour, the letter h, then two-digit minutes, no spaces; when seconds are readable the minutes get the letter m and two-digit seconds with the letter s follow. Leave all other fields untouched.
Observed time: 10h27
